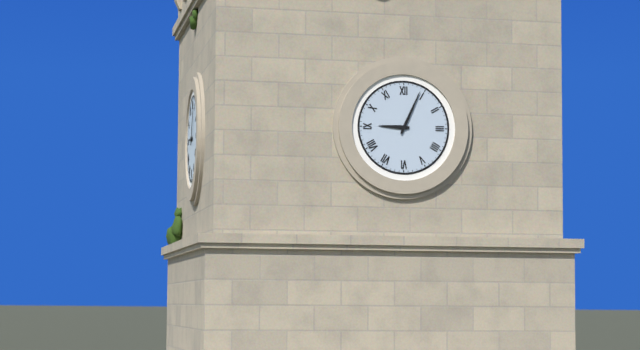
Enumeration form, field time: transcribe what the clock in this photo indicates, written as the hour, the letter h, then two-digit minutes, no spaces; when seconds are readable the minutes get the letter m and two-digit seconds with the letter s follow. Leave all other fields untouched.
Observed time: 9h04
